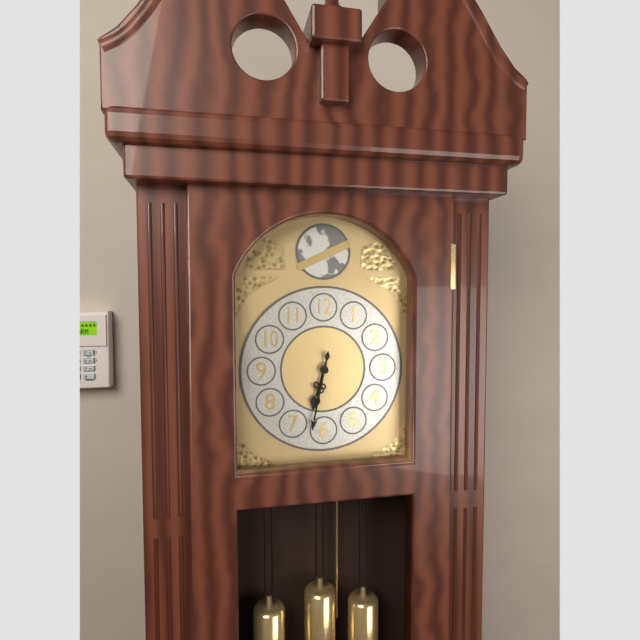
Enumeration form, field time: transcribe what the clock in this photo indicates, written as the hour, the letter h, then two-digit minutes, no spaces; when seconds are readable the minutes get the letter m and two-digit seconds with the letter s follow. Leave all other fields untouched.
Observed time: 6h32
